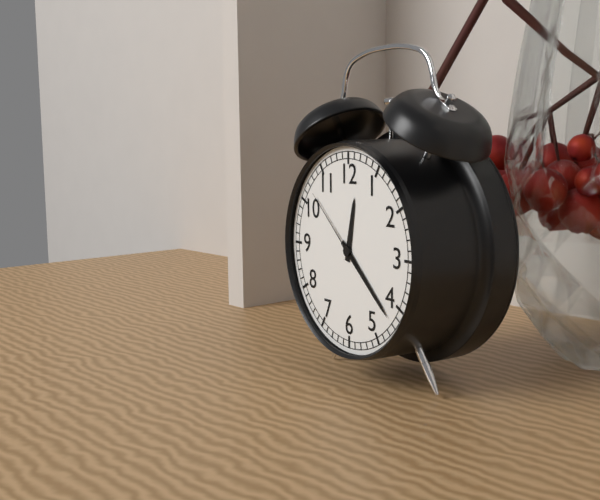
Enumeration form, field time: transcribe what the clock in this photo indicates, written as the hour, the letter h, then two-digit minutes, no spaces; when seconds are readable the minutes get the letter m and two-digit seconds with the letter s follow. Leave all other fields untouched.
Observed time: 12h22m52s
